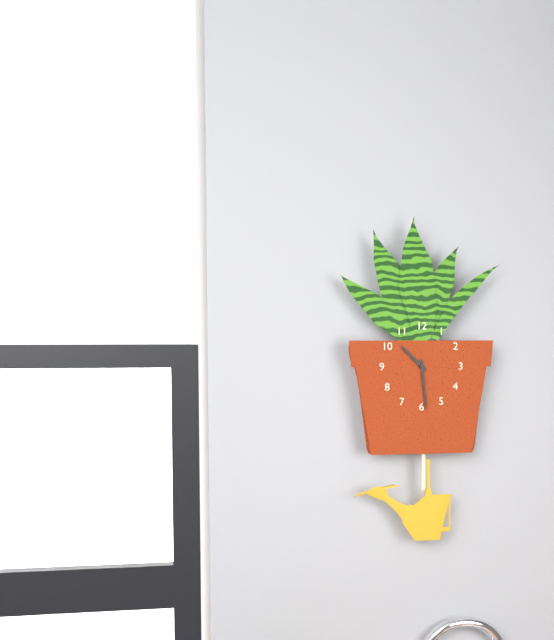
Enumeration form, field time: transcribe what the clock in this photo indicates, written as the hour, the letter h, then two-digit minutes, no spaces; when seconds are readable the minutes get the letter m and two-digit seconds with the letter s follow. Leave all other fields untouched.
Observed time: 10h29
